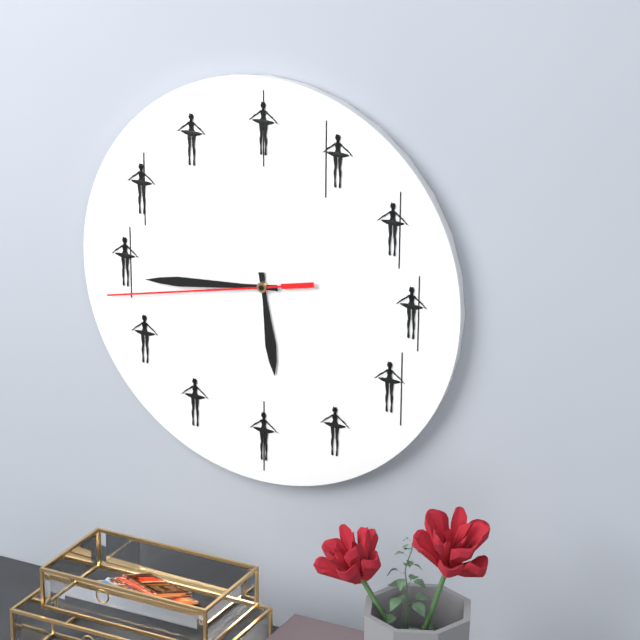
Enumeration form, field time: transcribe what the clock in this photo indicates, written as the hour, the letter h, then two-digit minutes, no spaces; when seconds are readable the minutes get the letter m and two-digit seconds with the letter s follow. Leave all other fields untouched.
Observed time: 5h44m43s
